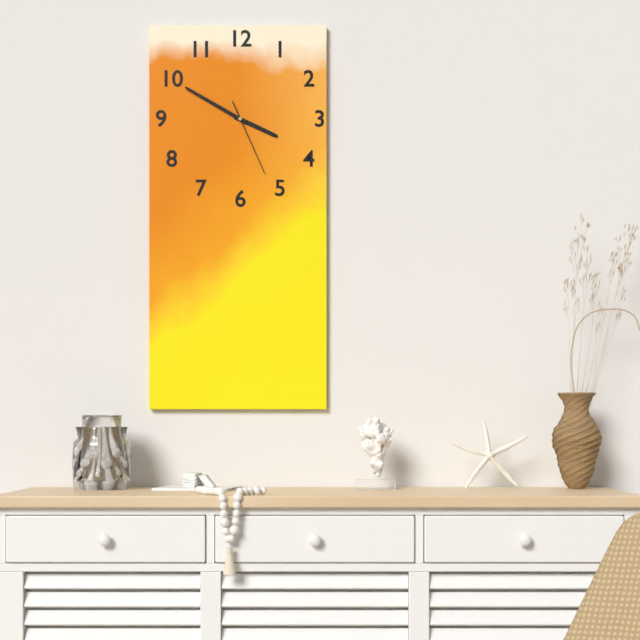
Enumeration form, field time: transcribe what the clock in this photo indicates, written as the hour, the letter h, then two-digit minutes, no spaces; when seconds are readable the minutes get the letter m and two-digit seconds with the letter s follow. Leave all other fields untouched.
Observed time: 3h50m26s
